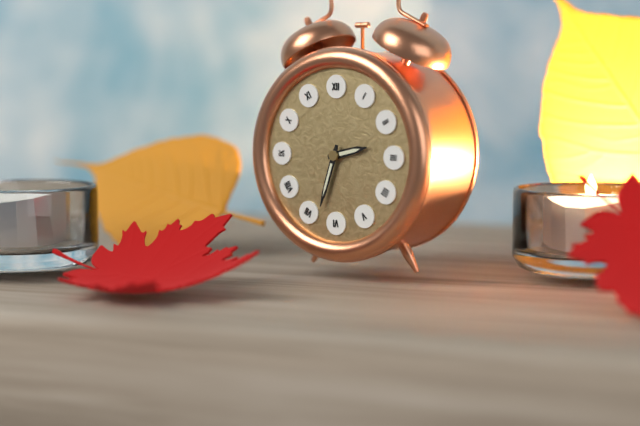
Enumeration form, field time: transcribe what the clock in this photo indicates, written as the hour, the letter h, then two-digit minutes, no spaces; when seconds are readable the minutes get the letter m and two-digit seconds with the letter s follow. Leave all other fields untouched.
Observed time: 2h33
